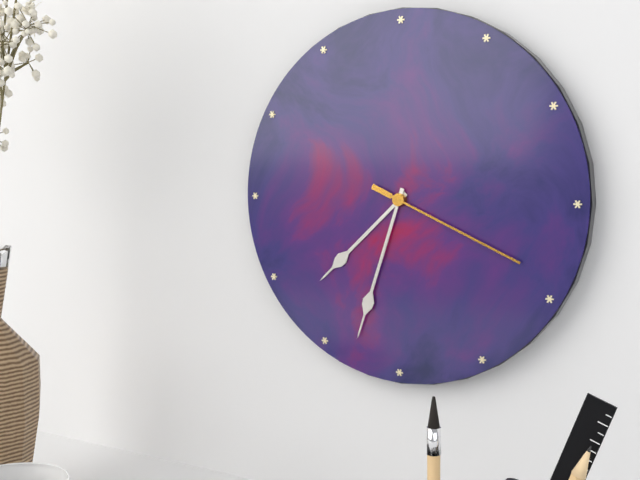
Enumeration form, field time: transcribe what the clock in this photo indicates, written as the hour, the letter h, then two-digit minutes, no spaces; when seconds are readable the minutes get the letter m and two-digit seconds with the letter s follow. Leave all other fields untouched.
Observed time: 7h33m19s
